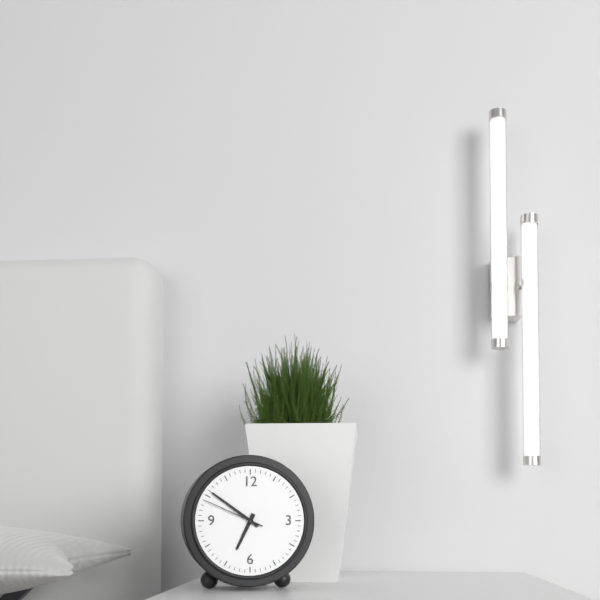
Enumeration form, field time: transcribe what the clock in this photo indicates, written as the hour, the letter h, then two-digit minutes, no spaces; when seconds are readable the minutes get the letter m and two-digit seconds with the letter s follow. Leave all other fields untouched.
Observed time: 6h51m49s
